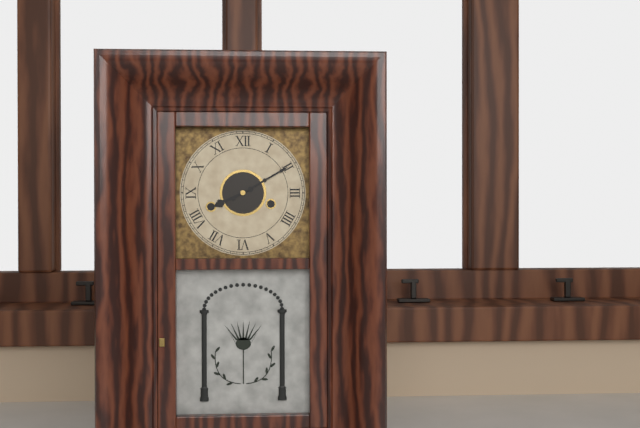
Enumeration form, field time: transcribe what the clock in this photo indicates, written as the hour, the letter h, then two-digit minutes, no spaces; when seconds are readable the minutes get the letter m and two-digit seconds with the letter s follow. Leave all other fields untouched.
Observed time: 8h10
